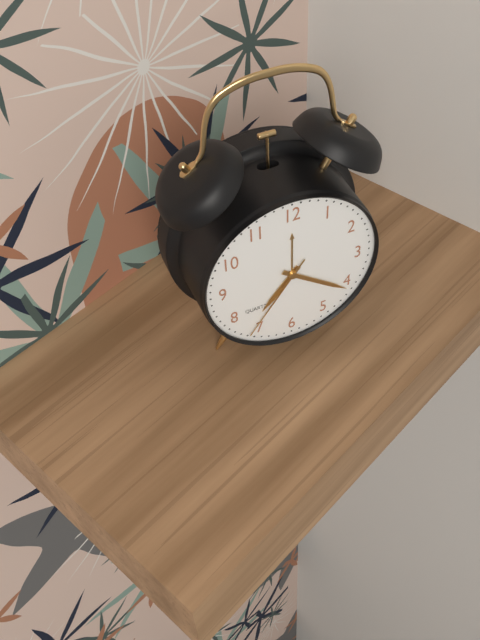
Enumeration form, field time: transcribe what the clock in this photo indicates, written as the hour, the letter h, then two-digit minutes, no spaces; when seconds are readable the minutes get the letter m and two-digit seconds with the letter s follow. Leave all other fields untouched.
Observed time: 7h21m36s
